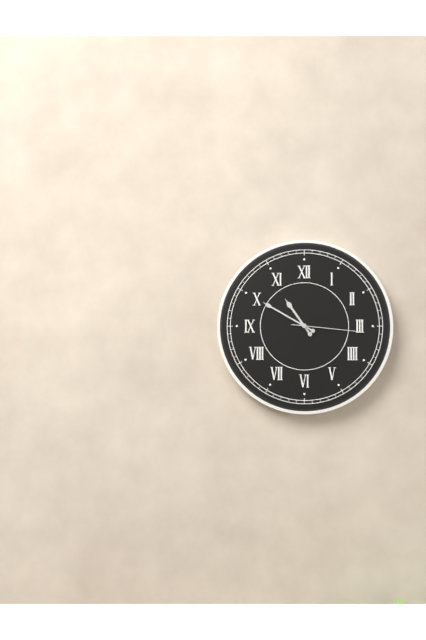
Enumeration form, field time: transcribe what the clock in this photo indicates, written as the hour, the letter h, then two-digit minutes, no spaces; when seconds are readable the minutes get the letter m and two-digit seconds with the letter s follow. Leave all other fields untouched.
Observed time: 10h50m16s
